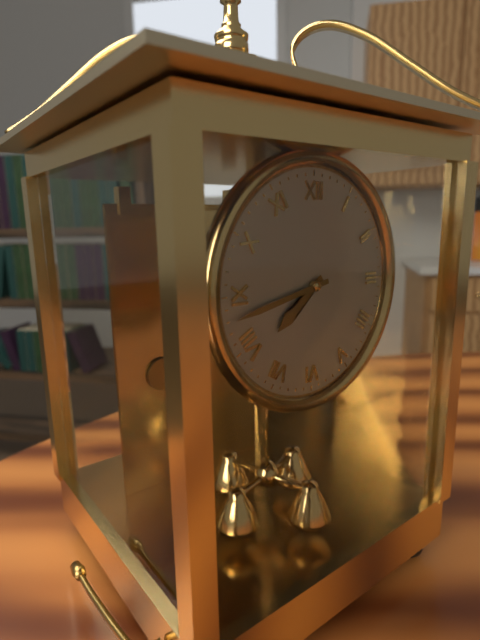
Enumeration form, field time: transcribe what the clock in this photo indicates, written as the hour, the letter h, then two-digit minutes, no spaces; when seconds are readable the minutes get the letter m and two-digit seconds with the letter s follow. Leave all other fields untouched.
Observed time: 7h43
